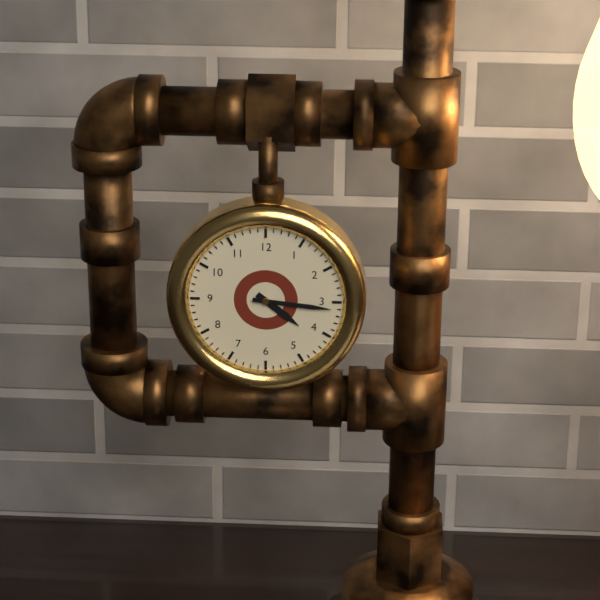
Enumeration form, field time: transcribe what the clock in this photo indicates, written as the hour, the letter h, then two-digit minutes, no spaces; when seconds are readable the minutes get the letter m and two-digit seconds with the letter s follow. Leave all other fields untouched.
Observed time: 4h16
